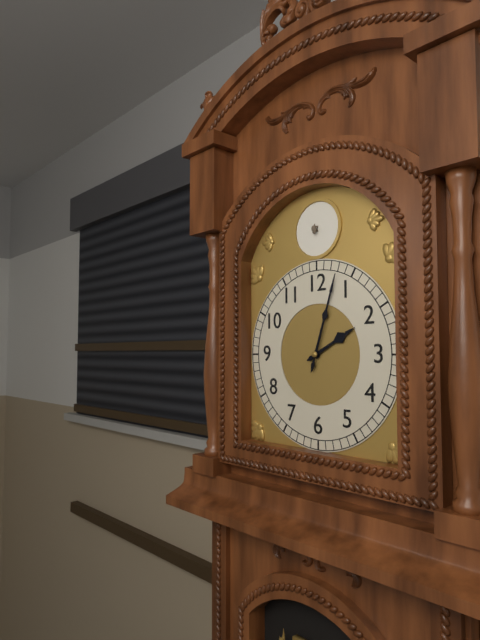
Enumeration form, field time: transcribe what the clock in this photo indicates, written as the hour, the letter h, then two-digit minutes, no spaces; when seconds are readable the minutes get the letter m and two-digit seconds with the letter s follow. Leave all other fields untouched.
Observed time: 2h03
